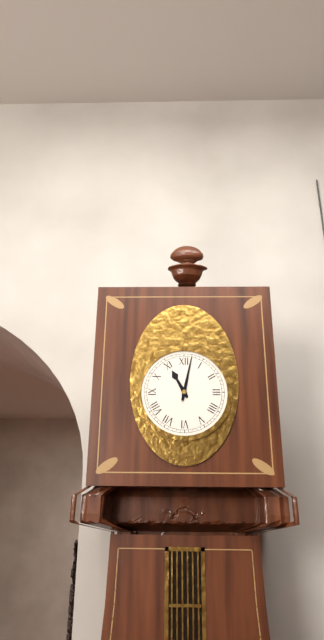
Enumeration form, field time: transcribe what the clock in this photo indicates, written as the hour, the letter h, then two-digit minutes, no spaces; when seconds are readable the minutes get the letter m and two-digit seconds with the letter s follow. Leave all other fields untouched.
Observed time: 11h02
